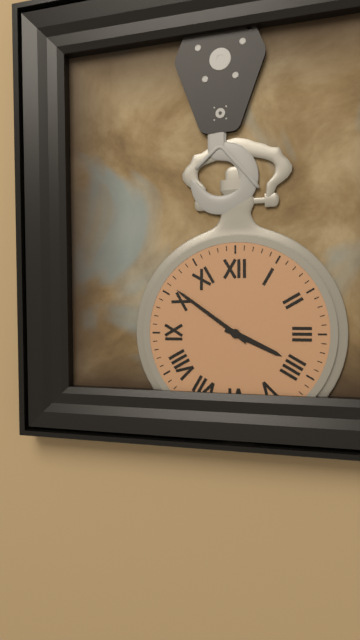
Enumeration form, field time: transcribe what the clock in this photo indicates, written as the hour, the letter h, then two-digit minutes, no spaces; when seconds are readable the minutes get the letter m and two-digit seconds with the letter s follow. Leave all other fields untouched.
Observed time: 3h51
